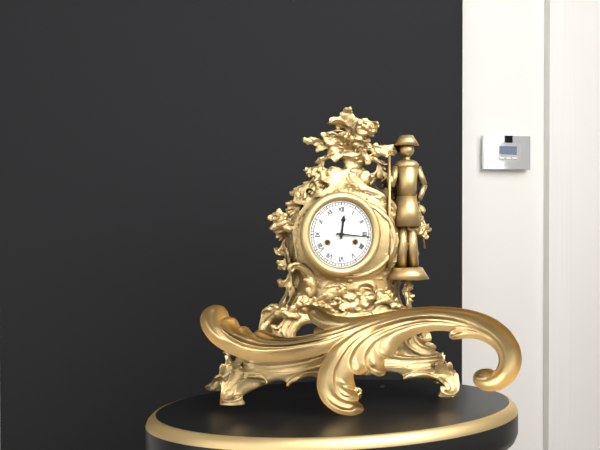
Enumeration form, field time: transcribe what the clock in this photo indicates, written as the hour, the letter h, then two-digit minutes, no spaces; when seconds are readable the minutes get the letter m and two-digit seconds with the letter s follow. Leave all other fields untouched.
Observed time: 12h16
